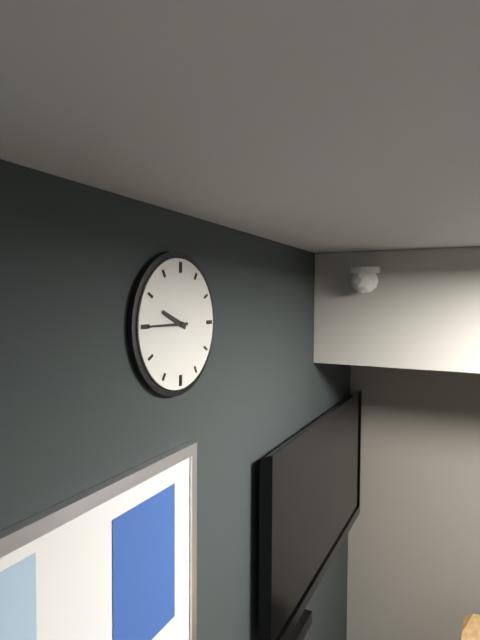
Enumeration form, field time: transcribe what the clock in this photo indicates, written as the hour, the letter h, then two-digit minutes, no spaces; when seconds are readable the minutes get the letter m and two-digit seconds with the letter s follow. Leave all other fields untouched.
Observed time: 9h45
